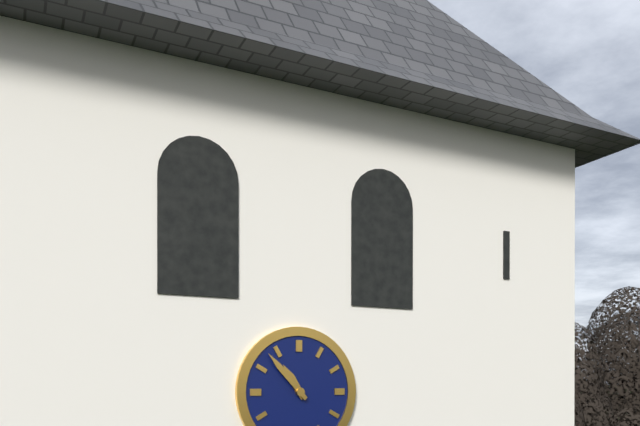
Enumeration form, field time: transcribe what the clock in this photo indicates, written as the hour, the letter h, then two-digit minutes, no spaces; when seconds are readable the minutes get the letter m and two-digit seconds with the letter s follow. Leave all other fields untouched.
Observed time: 10h53
